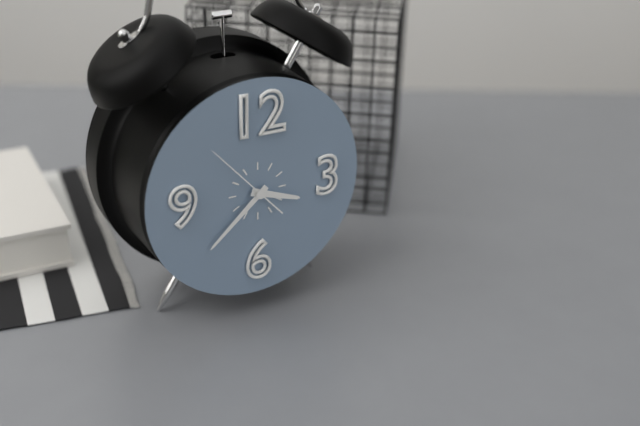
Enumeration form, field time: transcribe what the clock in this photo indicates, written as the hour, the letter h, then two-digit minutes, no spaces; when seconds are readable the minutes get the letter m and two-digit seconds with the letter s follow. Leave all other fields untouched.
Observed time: 3h38m53s
